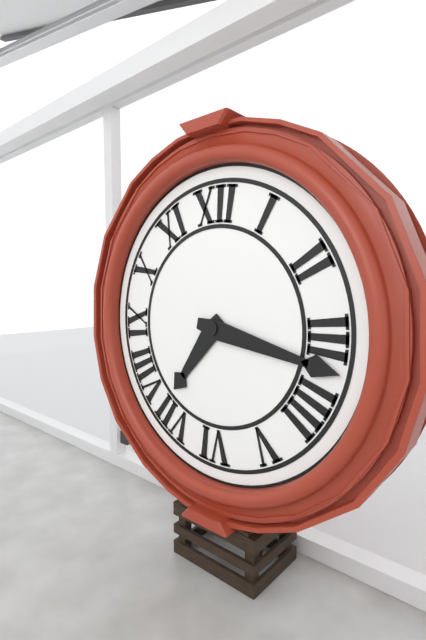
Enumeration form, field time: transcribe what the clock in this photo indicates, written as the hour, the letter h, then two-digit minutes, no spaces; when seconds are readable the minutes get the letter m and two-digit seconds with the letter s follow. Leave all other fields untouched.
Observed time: 7h17
